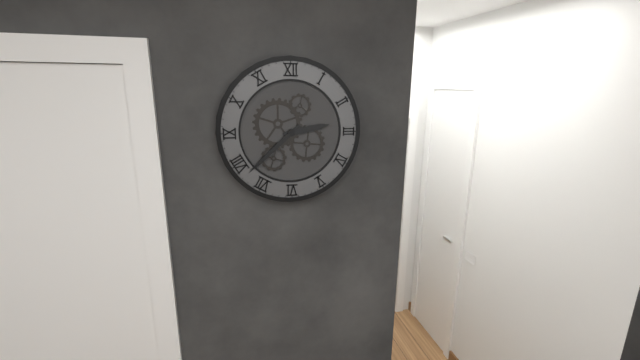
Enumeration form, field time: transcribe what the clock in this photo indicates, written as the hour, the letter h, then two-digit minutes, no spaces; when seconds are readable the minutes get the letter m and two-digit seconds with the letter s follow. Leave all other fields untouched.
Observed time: 2h38
